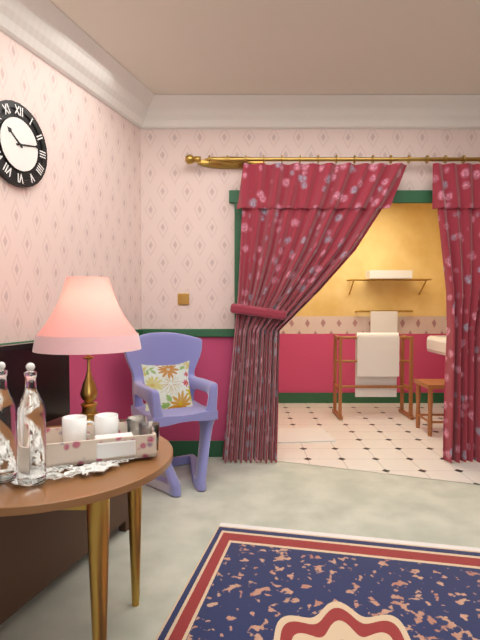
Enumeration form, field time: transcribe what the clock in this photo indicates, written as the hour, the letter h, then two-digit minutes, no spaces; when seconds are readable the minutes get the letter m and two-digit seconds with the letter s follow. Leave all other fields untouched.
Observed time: 10h13
